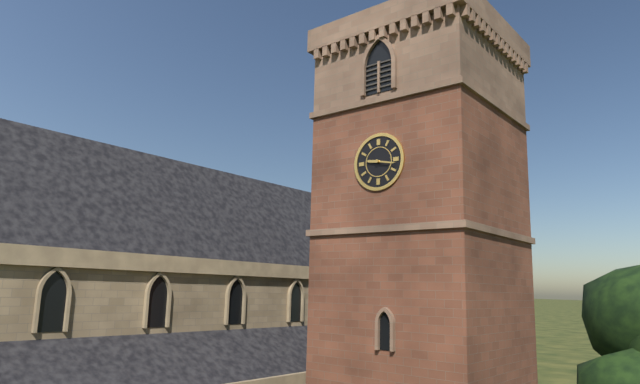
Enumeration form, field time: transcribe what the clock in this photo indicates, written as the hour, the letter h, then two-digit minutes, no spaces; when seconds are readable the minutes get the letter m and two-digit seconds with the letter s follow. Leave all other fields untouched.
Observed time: 9h17
